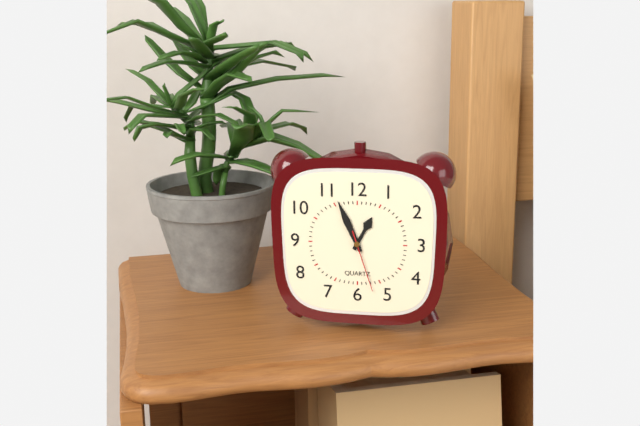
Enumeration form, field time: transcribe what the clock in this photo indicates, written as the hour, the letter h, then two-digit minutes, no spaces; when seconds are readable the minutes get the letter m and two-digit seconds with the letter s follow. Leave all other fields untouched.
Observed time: 12h56m27s
